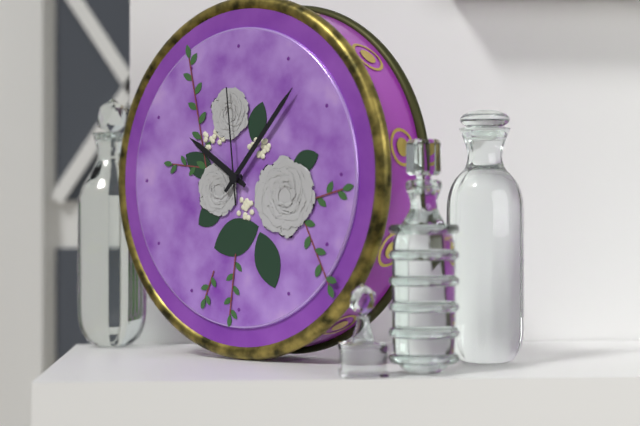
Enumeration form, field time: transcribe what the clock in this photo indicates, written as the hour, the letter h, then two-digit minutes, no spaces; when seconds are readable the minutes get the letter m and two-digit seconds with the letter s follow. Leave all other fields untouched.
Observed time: 10h07m59s
